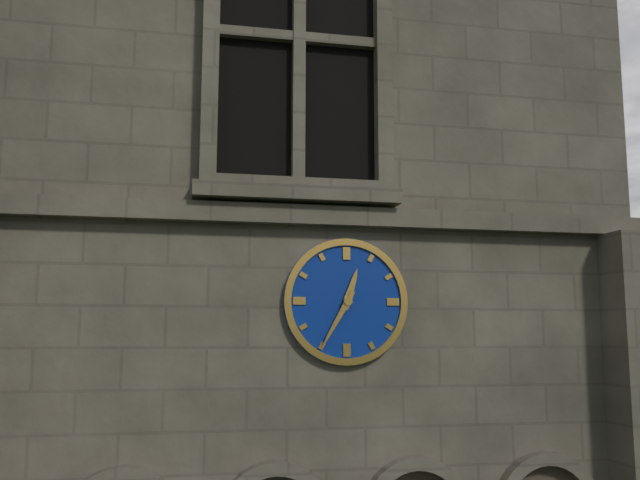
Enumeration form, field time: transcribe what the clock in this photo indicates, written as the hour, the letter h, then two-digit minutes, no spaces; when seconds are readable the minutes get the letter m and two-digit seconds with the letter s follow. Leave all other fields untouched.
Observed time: 12h35
